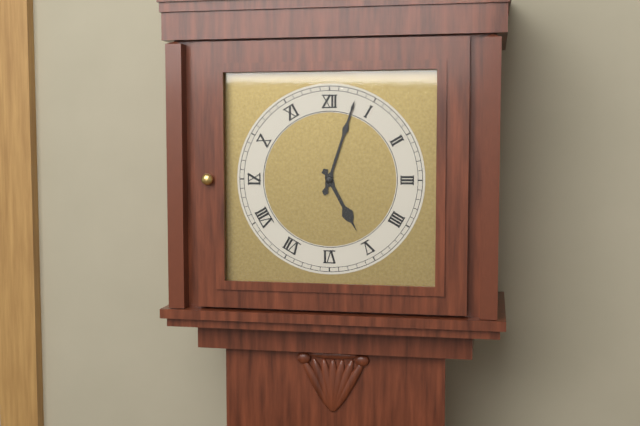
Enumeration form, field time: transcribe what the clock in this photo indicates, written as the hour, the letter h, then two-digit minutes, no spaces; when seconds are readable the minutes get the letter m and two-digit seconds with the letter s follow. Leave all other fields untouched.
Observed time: 5h03
